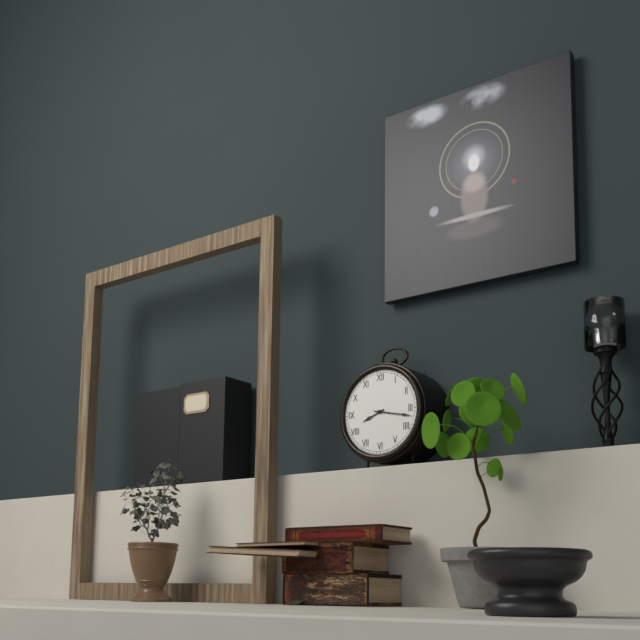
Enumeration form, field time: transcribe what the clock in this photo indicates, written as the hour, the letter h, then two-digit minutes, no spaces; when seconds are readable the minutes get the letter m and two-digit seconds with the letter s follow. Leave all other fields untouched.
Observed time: 8h17
